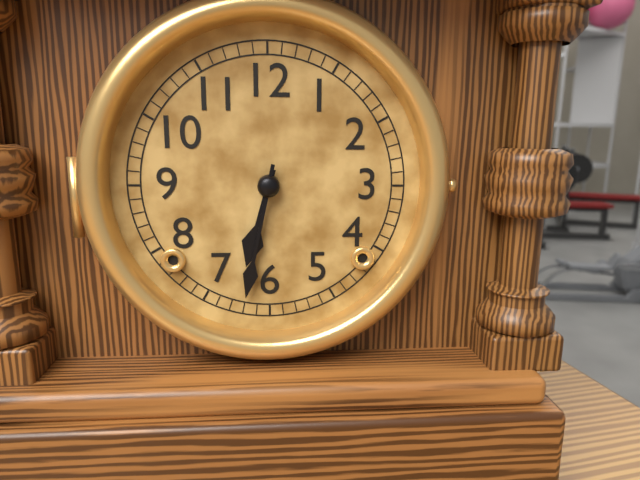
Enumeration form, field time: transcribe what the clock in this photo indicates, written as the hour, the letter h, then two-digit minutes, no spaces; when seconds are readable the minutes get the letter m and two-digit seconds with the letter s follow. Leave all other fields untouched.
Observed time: 6h32
